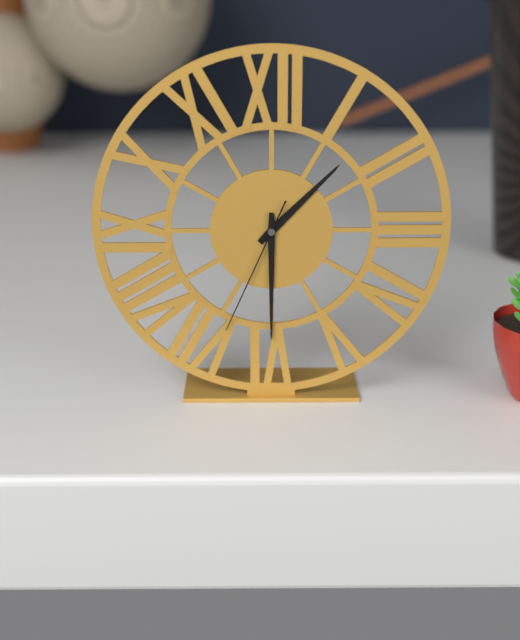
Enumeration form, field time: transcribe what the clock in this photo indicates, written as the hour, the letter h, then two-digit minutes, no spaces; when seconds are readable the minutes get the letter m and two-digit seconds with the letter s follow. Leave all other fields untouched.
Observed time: 1h30m34s
